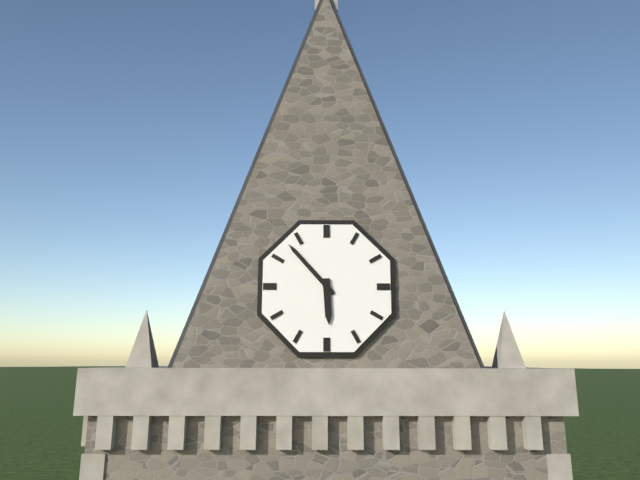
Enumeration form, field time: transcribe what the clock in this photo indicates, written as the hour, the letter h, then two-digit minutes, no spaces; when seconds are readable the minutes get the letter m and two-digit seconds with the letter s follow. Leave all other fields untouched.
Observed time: 5h53
